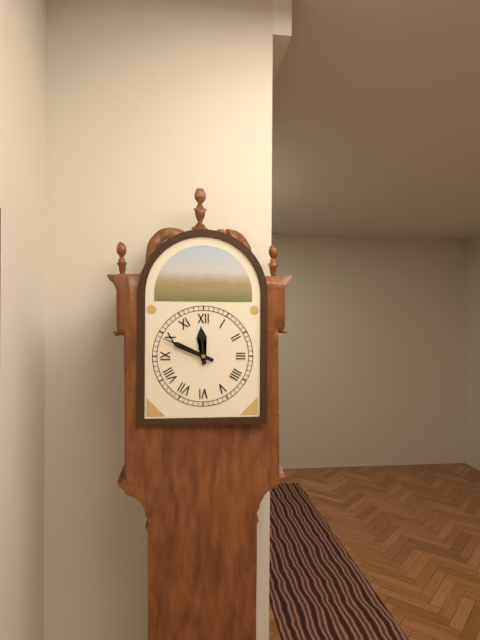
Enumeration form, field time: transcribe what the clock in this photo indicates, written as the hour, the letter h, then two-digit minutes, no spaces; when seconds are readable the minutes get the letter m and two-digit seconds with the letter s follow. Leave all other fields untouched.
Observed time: 11h49
